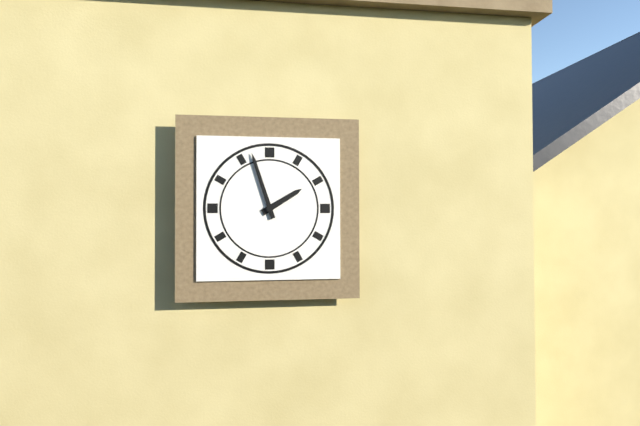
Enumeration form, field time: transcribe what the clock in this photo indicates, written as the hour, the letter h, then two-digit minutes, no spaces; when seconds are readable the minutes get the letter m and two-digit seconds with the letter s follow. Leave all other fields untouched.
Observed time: 1h57
